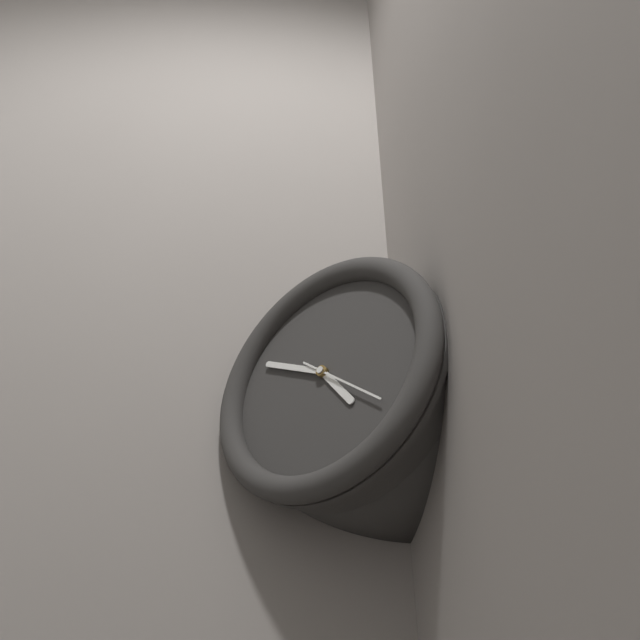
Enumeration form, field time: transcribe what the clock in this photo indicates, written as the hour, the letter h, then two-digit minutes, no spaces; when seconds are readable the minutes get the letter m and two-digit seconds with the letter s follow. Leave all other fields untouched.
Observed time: 4h50m22s
